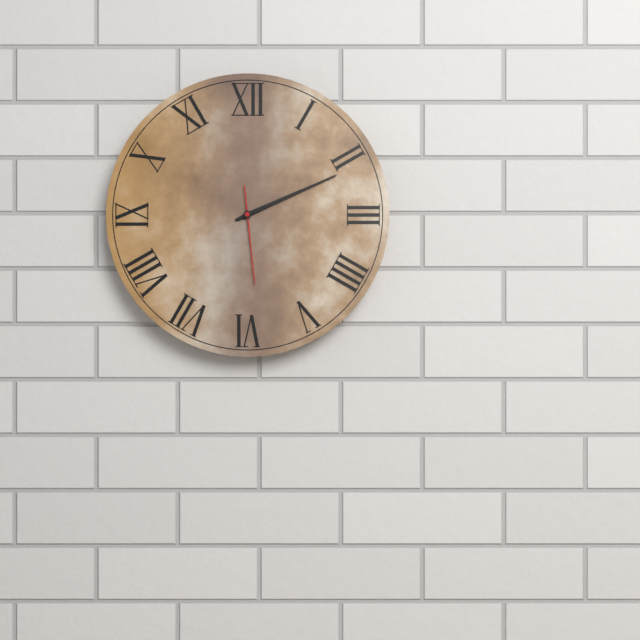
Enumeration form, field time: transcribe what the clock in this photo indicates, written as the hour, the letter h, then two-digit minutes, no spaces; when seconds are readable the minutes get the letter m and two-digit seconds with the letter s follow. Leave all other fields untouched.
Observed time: 2h11m29s
